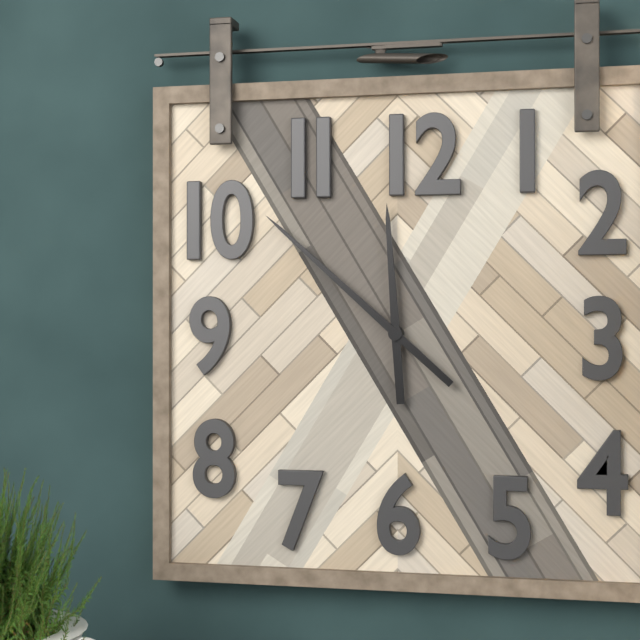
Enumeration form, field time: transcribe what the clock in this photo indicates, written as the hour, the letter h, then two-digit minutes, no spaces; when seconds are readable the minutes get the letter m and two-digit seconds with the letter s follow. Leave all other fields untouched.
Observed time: 11h52
